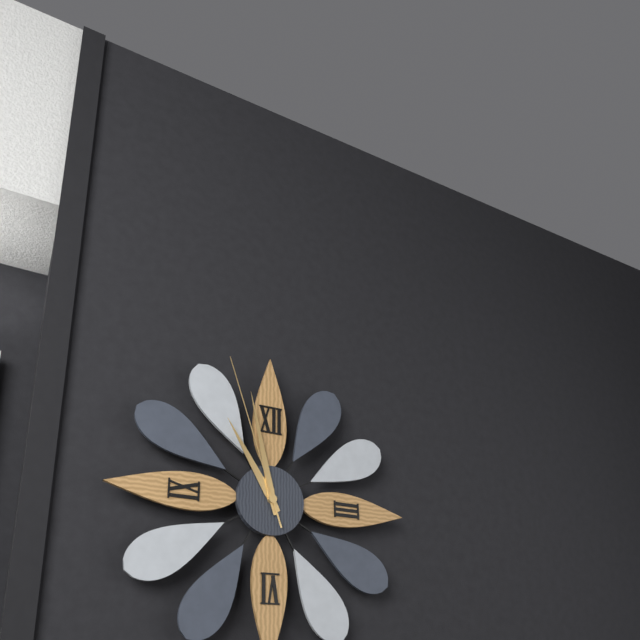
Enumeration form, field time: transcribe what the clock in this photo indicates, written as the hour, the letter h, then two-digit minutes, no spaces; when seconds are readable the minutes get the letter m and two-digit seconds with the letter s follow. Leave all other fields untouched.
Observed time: 10h58m57s
